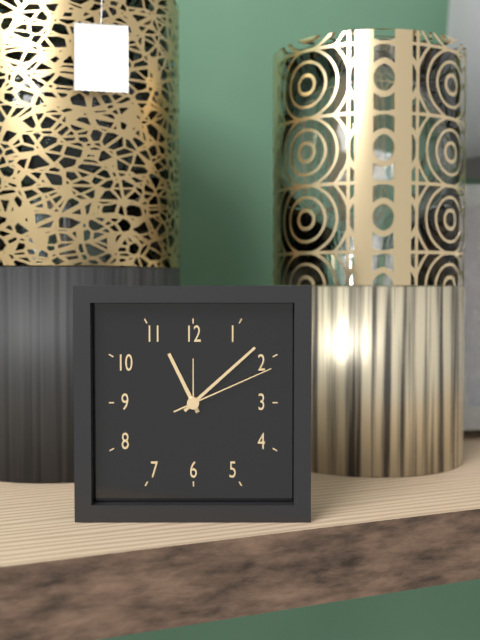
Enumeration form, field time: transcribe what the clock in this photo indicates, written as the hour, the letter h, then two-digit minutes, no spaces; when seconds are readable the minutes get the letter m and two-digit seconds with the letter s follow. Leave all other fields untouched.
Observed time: 11h08m11s
